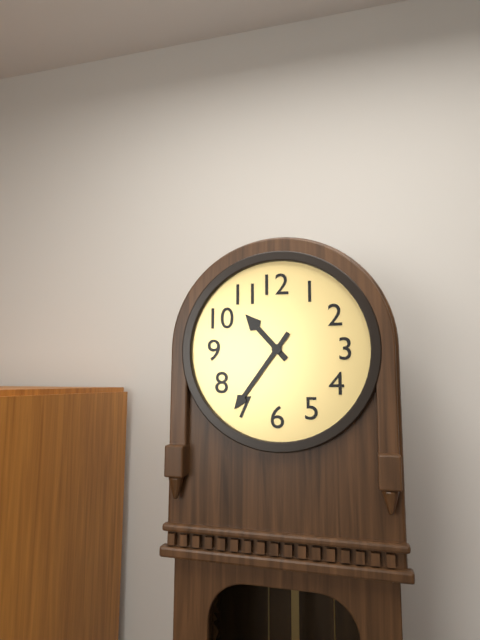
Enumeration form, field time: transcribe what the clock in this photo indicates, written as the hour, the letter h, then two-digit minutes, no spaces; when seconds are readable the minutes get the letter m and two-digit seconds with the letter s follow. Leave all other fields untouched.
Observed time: 10h36
